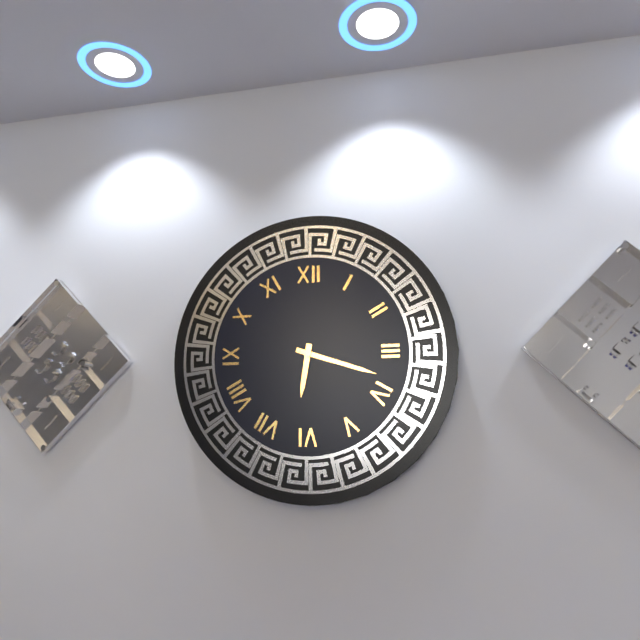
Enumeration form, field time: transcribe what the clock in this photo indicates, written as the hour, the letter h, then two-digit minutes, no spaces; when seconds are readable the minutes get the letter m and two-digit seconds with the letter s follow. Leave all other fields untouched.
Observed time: 6h18
